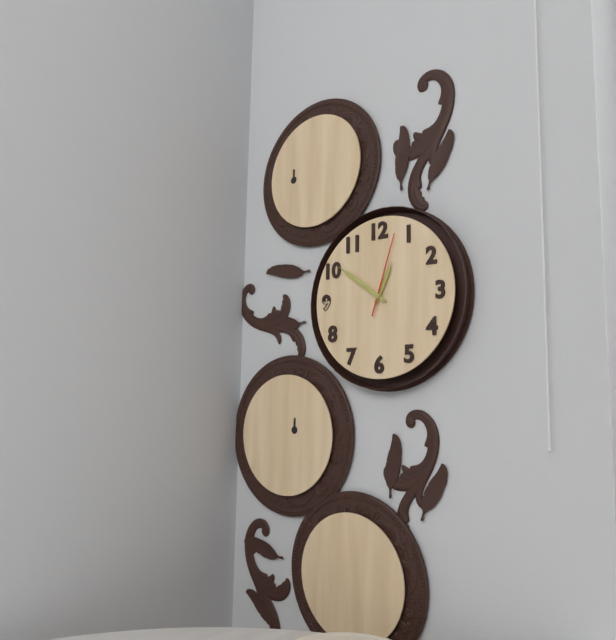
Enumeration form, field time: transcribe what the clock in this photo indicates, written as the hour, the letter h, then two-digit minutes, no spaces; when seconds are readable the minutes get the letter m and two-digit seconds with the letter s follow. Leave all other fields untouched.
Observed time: 12h51m03s
